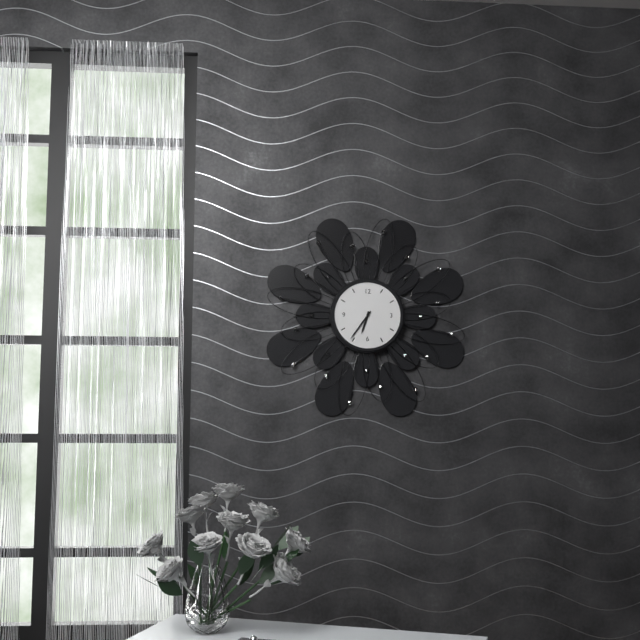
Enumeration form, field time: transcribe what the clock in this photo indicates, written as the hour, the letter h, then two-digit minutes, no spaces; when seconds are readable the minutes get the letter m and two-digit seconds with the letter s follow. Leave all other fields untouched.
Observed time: 6h36
